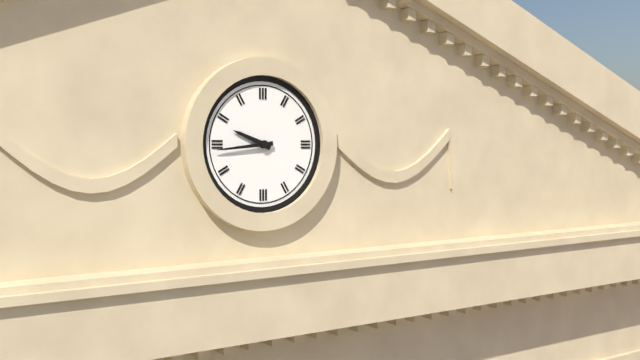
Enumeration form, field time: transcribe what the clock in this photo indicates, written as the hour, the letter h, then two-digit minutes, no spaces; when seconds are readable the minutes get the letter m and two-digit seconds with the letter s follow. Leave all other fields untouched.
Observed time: 9h44
